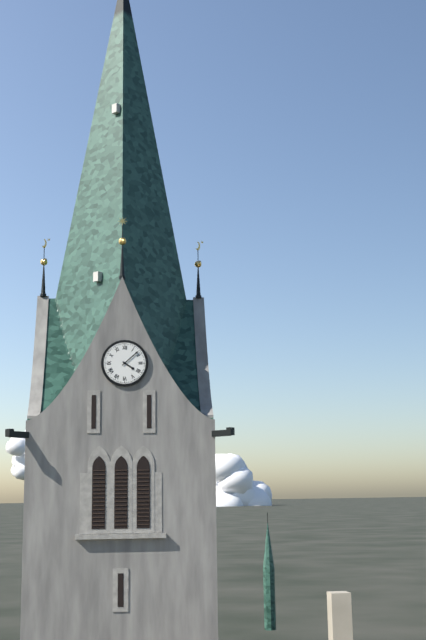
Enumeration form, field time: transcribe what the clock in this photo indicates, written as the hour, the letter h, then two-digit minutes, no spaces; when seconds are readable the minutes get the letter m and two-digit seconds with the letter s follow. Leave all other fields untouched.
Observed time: 4h08
